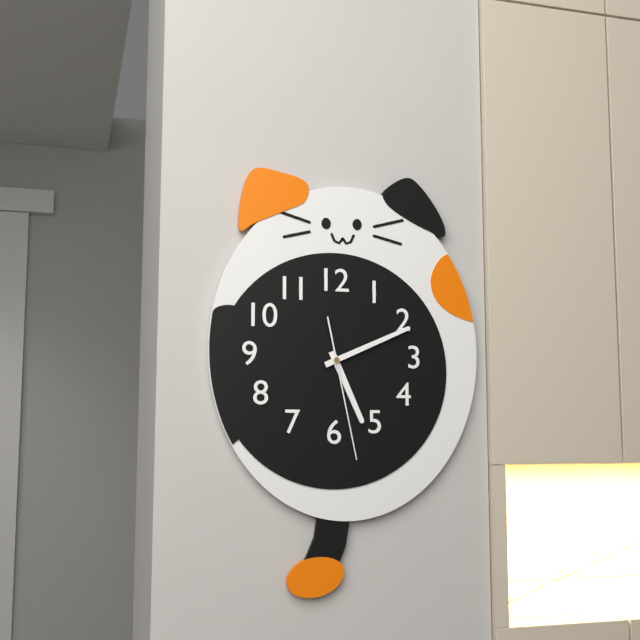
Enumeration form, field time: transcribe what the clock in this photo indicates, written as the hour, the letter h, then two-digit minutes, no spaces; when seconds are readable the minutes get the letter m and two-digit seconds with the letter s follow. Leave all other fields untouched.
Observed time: 5h11m28s
